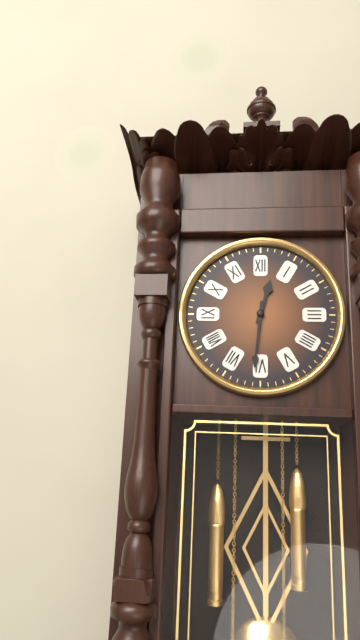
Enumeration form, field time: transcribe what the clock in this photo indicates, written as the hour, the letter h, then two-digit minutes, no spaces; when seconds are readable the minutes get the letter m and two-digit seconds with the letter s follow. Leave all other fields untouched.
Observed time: 12h31
